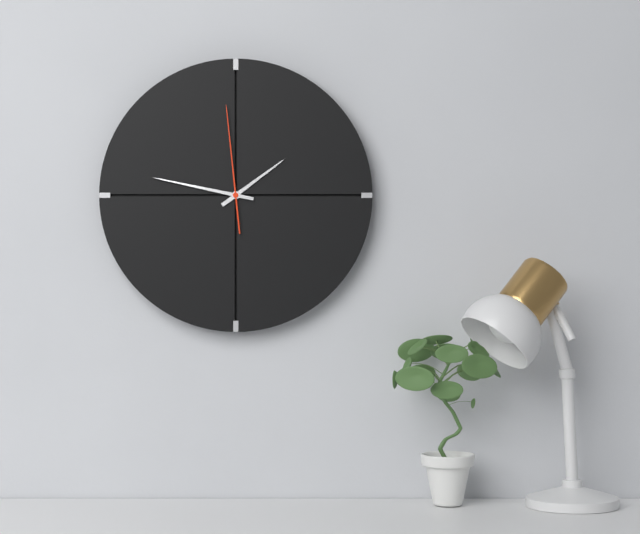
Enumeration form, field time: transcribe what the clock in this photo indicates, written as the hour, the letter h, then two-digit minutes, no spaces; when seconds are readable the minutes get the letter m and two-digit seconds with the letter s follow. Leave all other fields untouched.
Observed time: 1h47m59s
